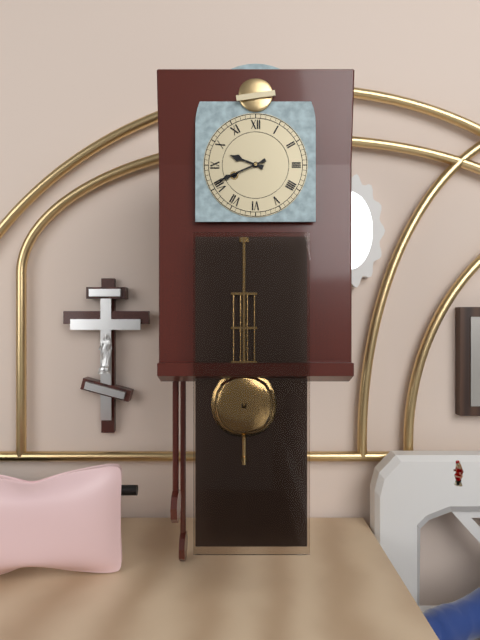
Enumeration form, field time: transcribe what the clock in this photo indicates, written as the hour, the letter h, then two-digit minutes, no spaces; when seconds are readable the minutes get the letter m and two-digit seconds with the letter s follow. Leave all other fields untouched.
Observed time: 9h41
